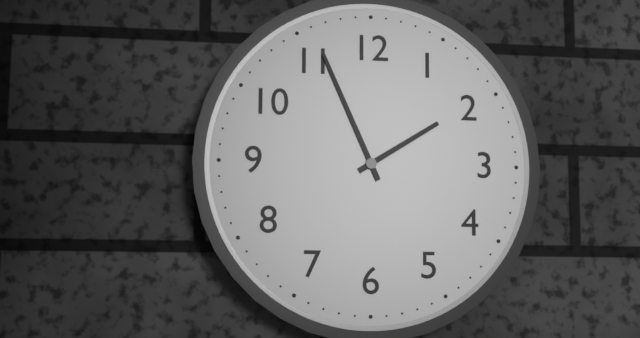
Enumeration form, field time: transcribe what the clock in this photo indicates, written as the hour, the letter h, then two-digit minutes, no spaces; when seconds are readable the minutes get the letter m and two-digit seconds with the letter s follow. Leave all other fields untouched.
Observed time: 1h56
